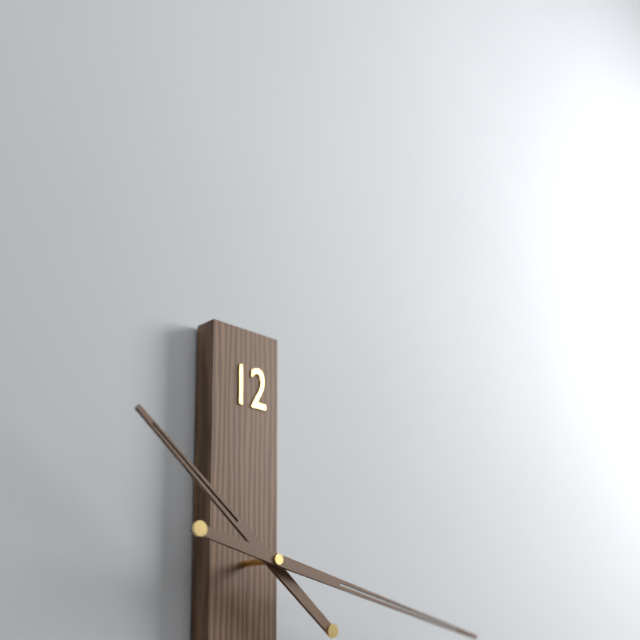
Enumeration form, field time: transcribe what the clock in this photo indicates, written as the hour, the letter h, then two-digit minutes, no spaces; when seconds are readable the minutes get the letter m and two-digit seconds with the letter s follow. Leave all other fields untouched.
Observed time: 10h17
